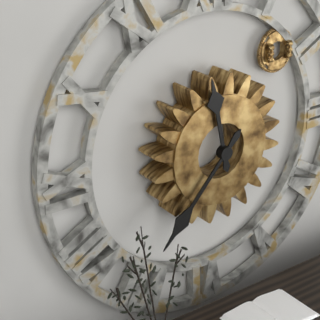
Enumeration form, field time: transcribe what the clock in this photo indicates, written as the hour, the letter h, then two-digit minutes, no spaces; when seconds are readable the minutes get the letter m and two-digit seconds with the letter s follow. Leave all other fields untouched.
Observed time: 11h37
